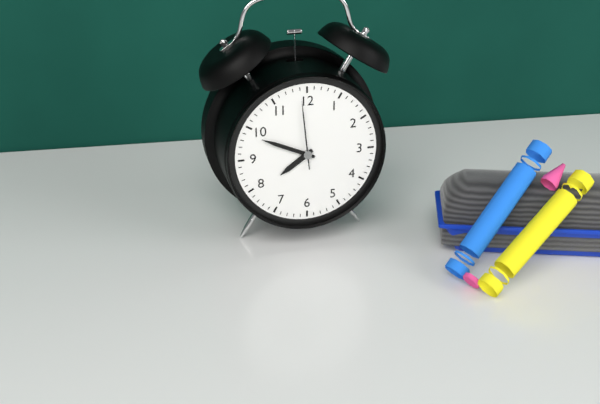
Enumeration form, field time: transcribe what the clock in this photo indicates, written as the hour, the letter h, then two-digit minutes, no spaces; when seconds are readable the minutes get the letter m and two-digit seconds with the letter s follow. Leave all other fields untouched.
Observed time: 7h49m59s
